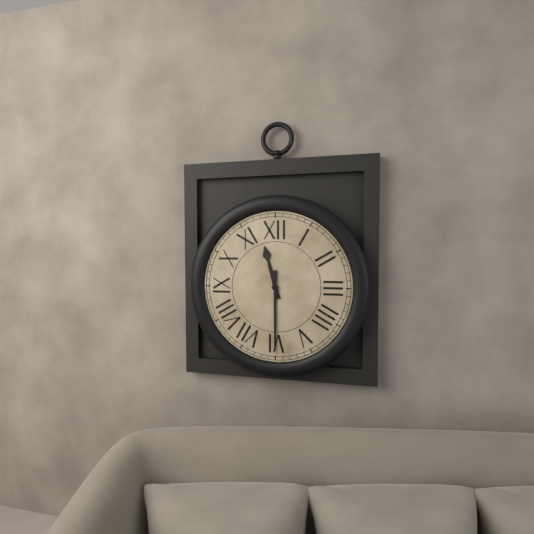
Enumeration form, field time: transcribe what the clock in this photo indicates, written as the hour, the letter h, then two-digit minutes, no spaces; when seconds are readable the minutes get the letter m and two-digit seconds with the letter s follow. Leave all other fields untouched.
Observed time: 11h30
